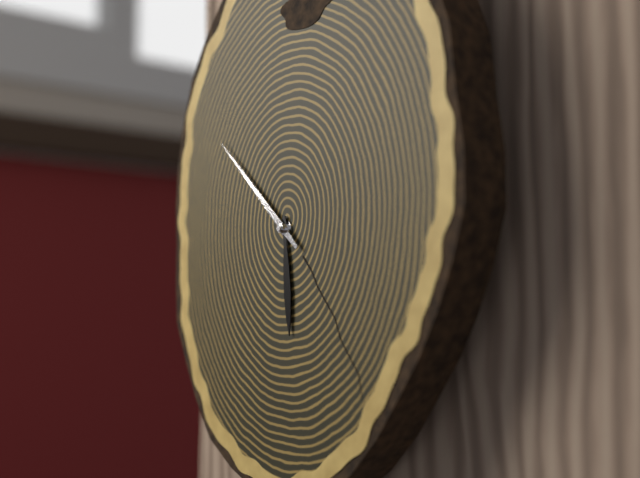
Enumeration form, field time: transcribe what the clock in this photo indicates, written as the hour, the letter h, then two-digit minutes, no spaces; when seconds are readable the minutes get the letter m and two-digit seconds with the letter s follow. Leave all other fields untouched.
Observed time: 5h52
